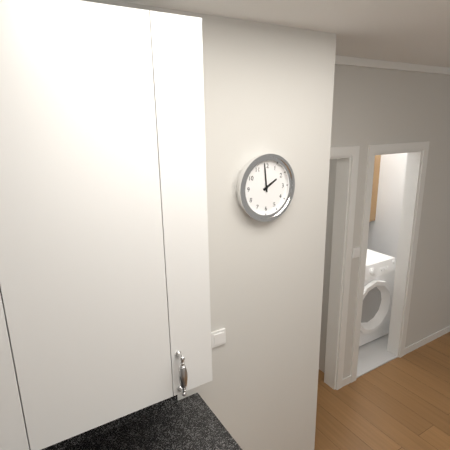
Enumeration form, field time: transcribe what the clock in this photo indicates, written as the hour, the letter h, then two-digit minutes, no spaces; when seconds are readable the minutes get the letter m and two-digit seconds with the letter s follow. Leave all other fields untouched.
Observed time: 1h59
